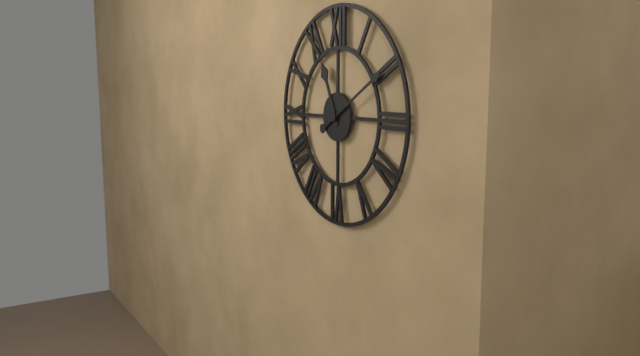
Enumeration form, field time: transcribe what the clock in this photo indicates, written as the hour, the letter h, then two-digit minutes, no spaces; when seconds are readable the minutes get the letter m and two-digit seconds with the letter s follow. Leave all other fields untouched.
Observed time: 11h10
